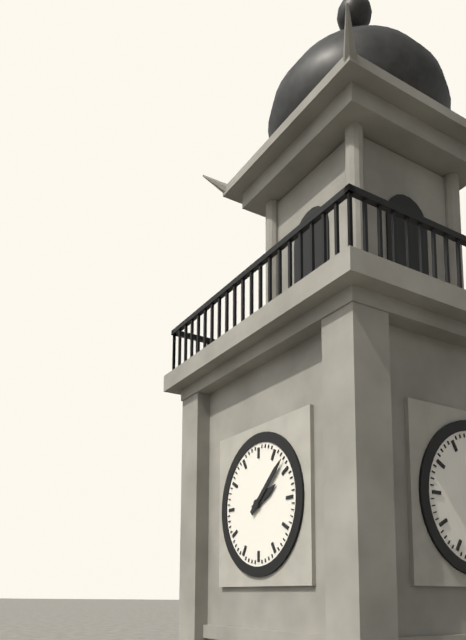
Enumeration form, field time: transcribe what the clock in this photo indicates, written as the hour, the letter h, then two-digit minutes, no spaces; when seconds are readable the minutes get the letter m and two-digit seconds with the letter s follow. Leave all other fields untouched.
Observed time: 2h08
